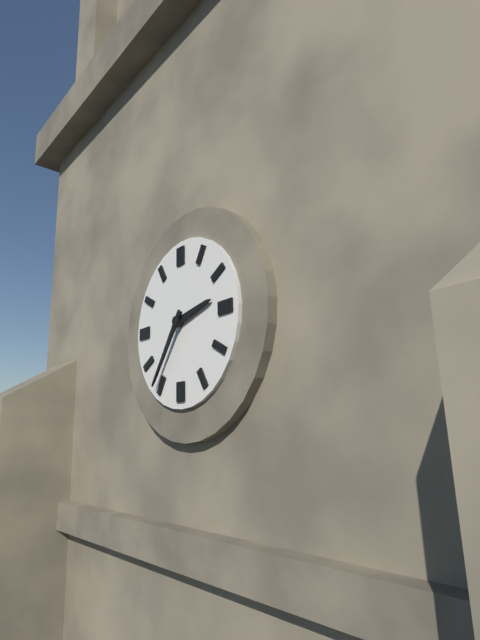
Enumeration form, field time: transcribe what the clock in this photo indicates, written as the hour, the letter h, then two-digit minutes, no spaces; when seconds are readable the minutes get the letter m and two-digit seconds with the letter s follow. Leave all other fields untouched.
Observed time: 2h36
